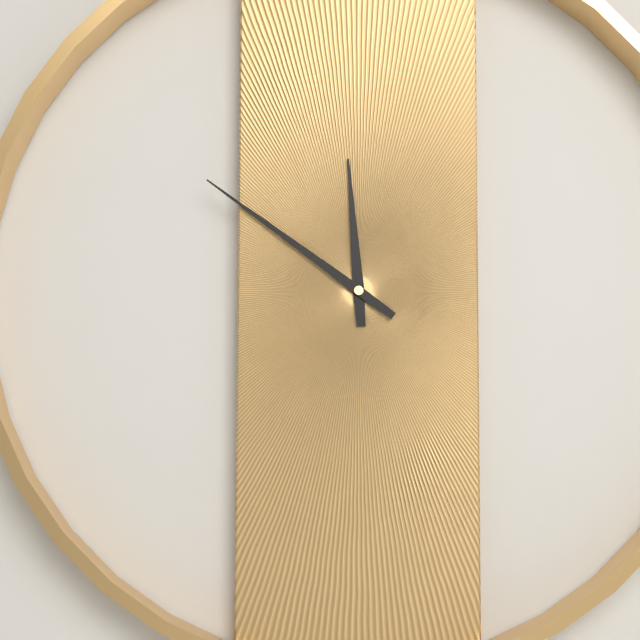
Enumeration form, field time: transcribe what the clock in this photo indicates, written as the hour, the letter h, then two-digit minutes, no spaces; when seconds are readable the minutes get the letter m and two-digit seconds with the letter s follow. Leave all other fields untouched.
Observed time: 11h51
